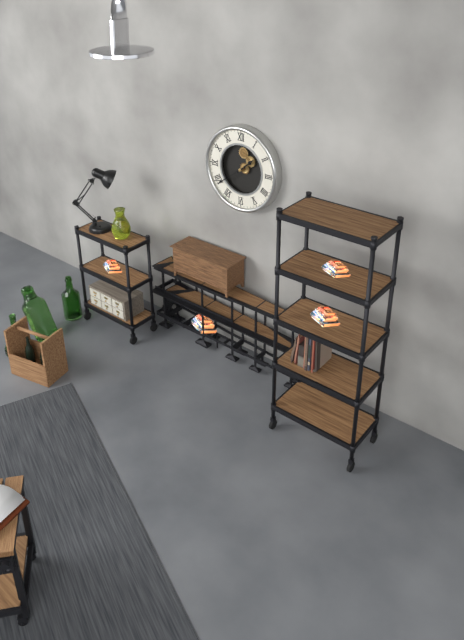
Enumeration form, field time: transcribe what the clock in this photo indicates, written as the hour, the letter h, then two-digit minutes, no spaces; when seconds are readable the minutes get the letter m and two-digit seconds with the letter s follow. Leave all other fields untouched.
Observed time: 1h39
